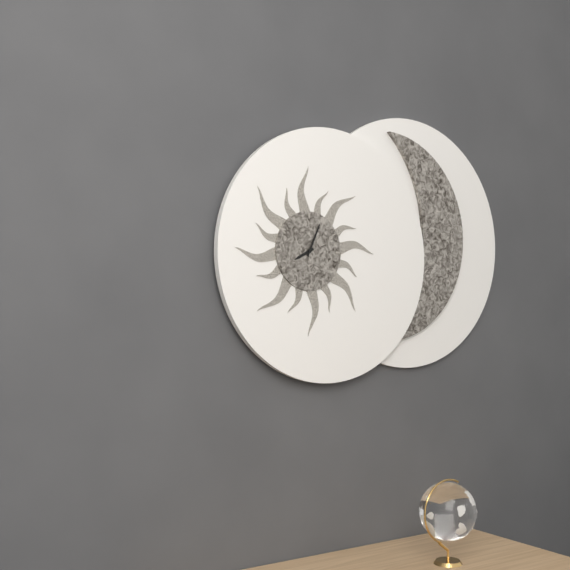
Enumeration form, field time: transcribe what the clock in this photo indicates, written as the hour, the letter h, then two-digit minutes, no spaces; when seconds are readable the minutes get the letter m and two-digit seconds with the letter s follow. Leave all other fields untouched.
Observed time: 8h04
